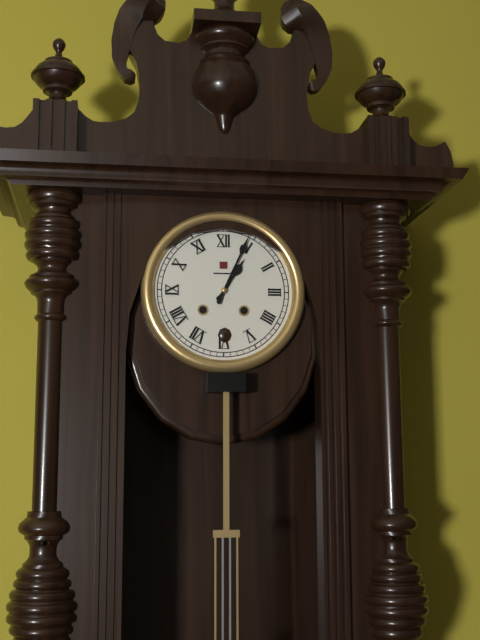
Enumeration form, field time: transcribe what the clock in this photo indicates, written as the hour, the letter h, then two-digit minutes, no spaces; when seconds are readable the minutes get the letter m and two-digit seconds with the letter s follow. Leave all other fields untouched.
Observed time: 1h04
